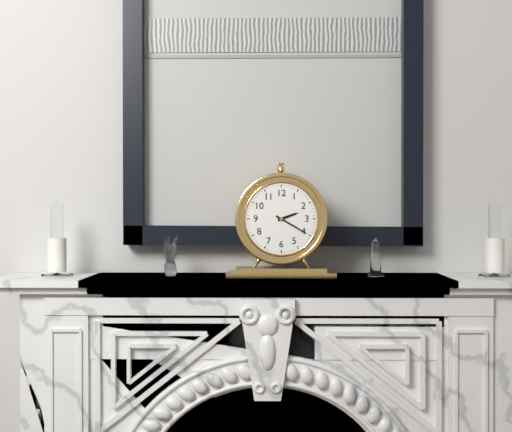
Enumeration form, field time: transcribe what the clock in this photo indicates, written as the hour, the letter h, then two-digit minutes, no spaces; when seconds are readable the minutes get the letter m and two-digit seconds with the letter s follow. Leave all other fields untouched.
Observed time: 2h20
